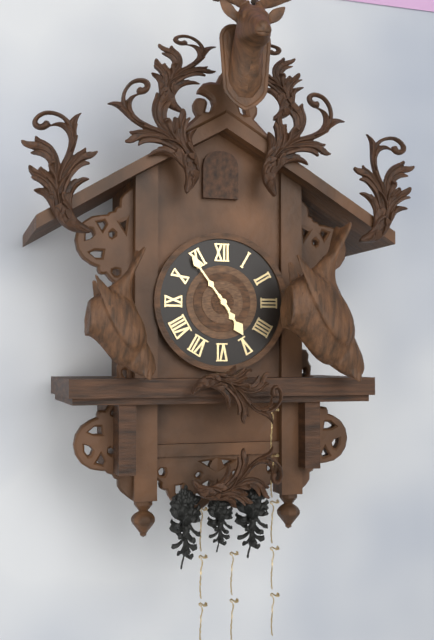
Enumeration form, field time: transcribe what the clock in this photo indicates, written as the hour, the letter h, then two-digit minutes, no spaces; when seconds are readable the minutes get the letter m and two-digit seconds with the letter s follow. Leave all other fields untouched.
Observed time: 4h54
